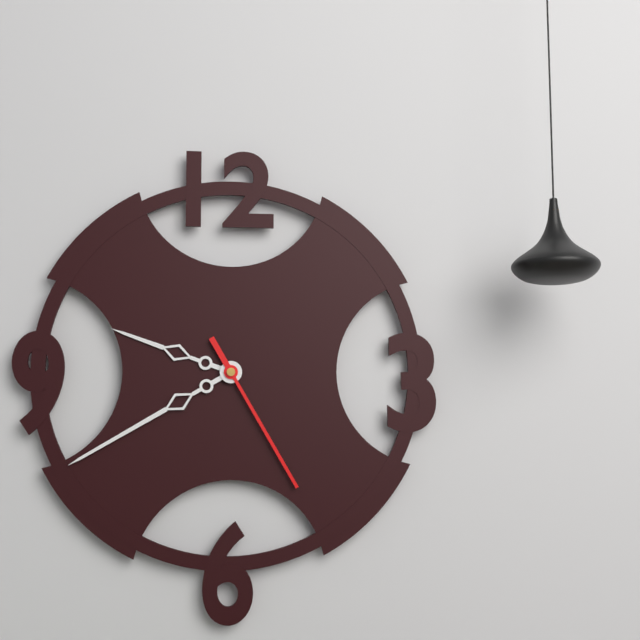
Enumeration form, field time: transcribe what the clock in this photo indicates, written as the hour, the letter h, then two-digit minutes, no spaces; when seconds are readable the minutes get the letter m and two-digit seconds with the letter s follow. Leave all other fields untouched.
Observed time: 9h40m25s
